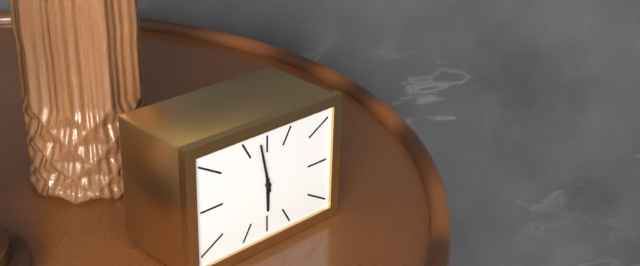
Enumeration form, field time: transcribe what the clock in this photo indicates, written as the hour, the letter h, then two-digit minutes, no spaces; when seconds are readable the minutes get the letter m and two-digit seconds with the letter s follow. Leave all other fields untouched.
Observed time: 5h58
